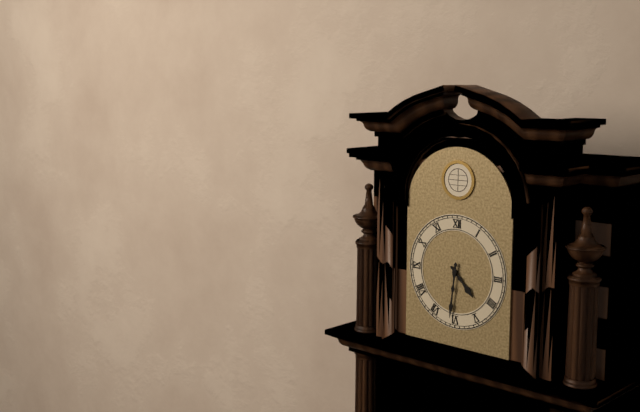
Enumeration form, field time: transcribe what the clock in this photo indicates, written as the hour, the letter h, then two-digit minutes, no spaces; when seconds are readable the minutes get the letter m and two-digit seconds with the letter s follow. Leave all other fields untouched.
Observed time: 4h31
